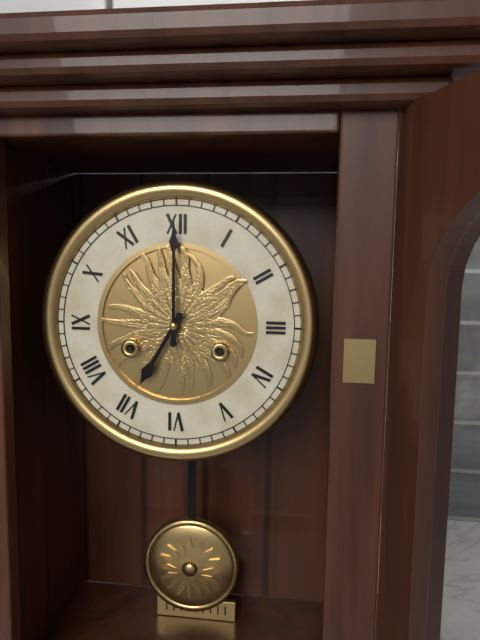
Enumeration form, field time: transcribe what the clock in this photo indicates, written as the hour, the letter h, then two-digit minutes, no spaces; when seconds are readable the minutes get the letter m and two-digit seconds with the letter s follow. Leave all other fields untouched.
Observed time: 7h00
